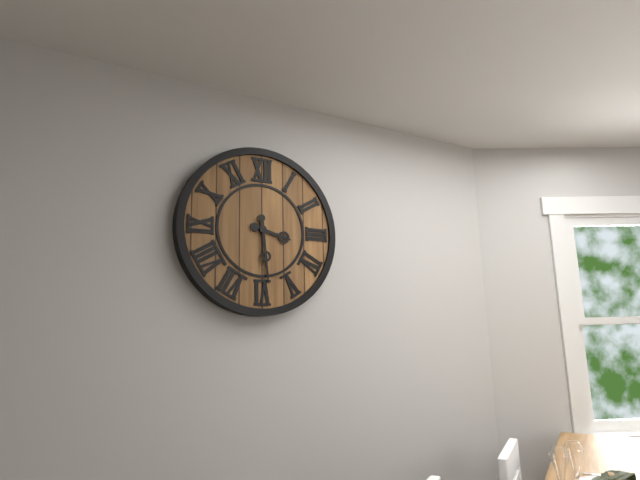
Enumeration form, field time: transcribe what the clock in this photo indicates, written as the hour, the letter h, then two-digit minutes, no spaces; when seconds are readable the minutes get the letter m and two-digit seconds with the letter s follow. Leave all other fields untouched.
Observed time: 3h29
